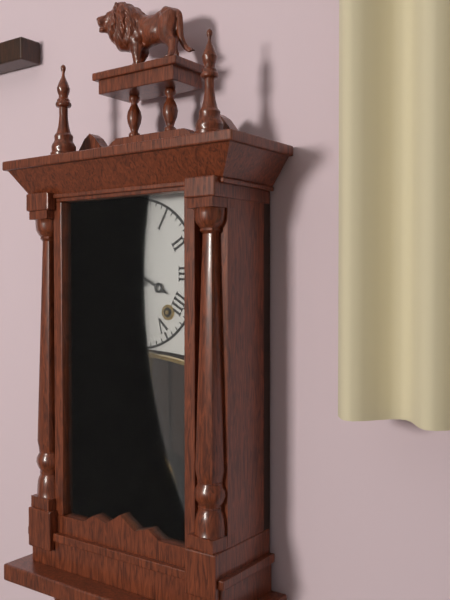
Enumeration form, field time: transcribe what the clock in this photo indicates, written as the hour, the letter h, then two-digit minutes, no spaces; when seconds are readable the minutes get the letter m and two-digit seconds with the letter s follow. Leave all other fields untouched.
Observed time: 3h54
